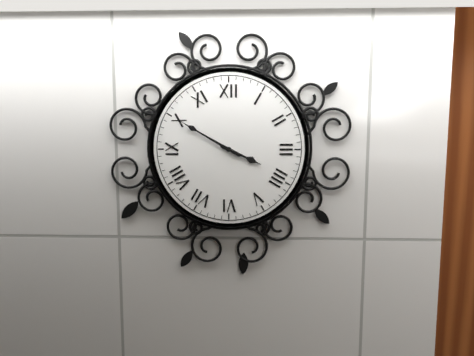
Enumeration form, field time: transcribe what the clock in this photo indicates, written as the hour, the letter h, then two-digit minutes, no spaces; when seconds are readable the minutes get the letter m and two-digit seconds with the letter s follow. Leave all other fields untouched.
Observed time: 3h50
